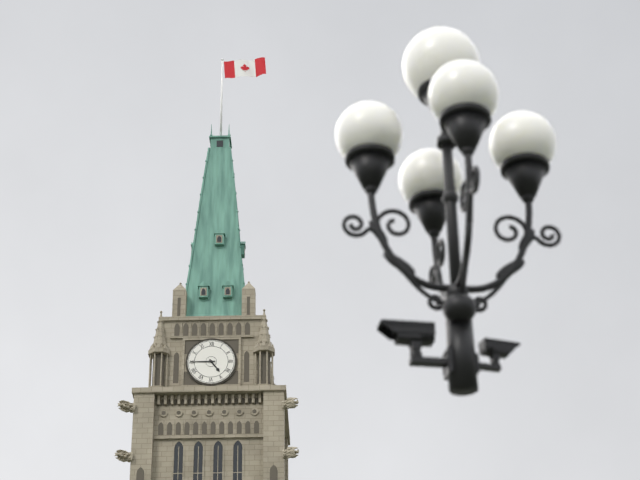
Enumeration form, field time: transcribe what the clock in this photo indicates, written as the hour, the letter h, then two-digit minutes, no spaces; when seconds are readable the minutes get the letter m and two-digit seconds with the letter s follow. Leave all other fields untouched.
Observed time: 4h45
